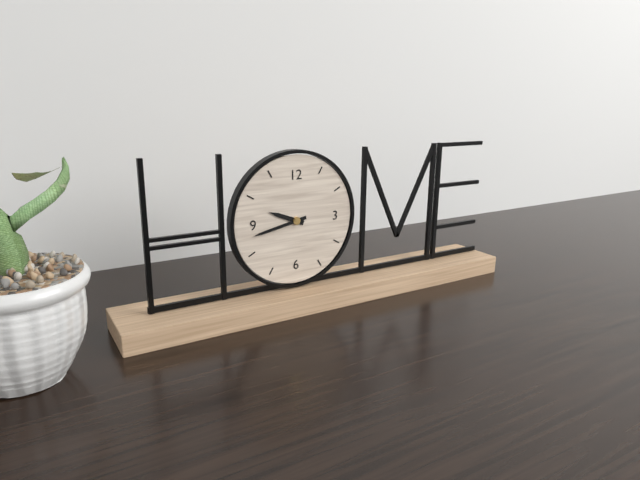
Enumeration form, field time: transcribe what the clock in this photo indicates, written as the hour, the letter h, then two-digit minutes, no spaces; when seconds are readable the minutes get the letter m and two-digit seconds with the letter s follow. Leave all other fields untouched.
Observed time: 9h43
